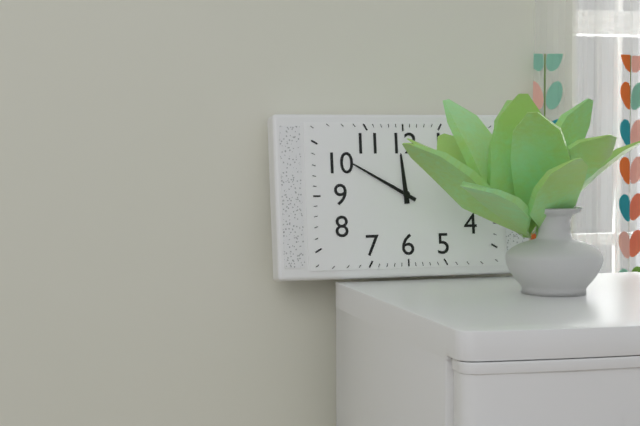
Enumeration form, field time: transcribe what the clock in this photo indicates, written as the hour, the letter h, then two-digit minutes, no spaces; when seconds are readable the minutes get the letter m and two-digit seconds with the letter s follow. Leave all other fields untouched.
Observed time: 11h50
